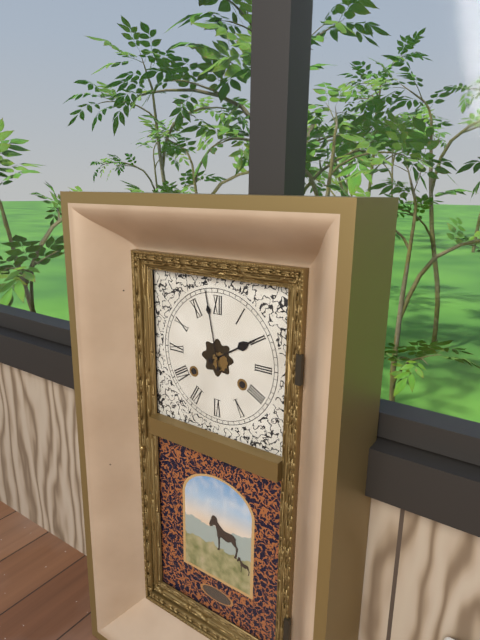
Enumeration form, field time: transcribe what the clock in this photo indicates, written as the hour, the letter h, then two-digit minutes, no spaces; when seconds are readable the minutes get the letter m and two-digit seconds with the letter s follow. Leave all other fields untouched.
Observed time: 1h58
